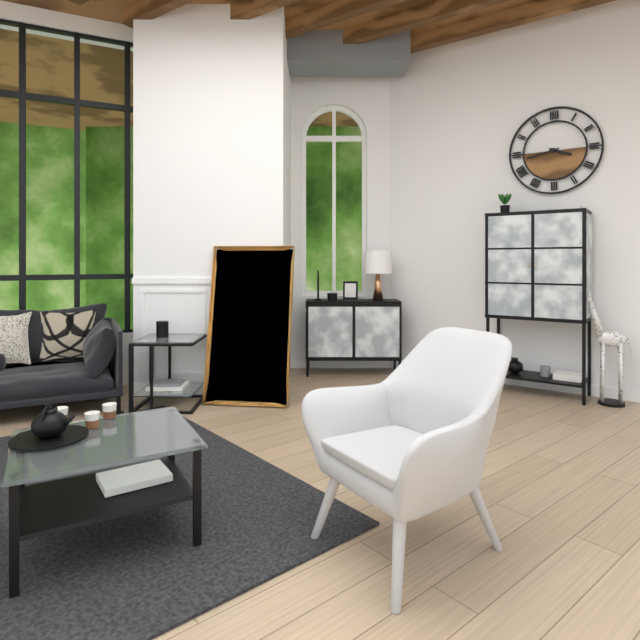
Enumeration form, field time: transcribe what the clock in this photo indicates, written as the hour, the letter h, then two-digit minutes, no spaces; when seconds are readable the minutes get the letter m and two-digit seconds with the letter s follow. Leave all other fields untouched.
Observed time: 3h43
